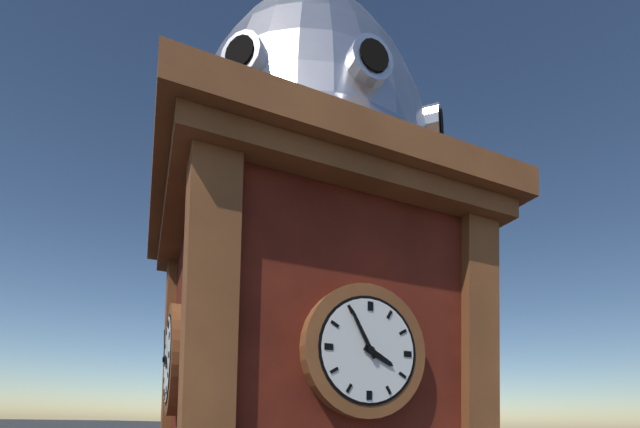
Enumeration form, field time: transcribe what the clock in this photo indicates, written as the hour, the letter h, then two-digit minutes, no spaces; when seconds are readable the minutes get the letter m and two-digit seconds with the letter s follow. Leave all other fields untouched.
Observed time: 3h55
